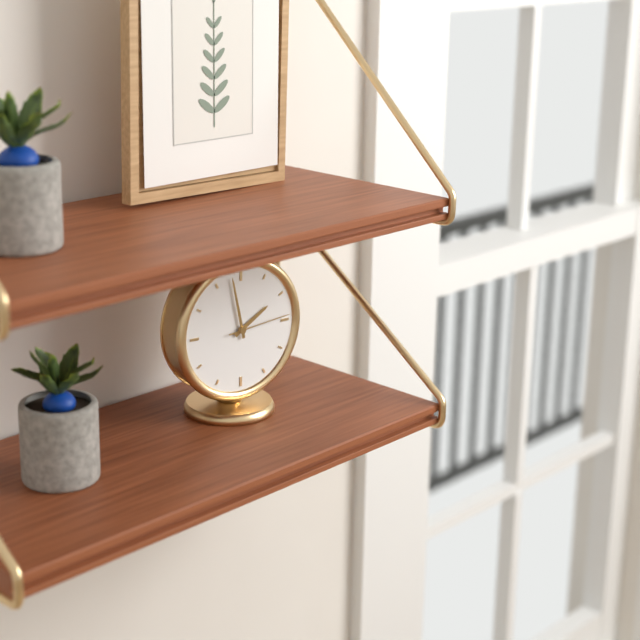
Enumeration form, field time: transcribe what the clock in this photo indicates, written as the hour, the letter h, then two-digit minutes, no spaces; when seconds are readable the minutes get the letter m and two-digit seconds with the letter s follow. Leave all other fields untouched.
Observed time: 1h58m14s
